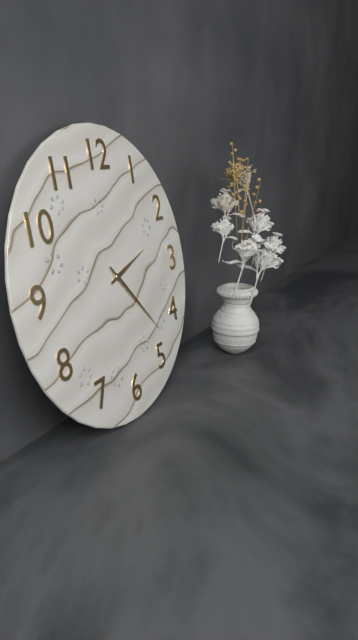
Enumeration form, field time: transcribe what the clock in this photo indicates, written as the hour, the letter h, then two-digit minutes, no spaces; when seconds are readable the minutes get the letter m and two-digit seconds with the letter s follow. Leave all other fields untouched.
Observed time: 2h23
